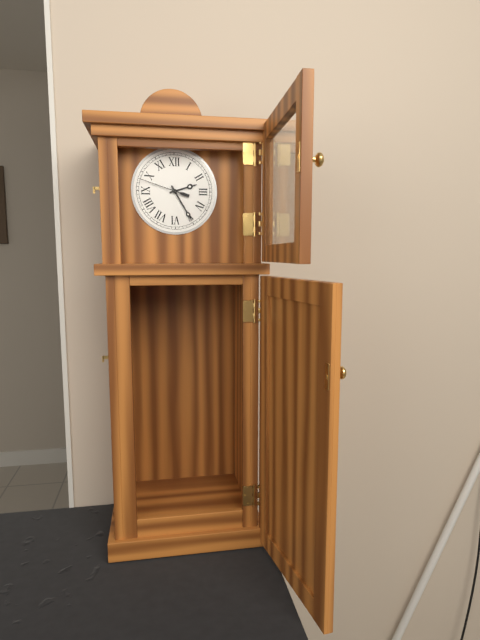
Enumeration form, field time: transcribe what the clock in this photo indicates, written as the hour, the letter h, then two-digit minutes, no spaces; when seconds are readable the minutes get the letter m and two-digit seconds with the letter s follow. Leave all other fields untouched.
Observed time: 2h25
